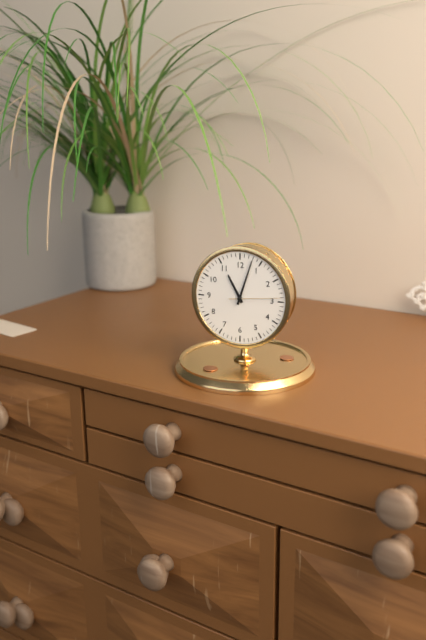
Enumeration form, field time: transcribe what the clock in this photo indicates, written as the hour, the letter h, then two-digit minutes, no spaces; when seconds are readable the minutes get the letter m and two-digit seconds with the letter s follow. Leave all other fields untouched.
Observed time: 11h03m14s
